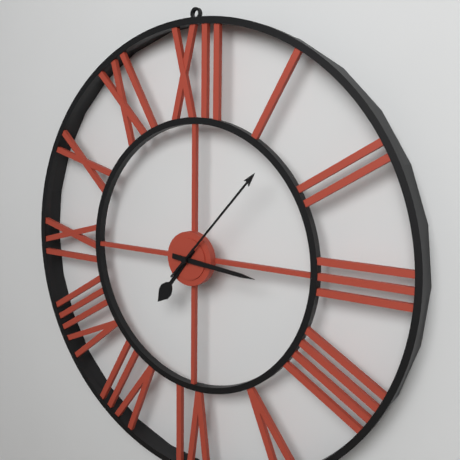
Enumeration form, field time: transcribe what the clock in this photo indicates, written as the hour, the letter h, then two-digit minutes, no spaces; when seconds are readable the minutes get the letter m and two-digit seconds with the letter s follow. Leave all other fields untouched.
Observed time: 7h16m07s
